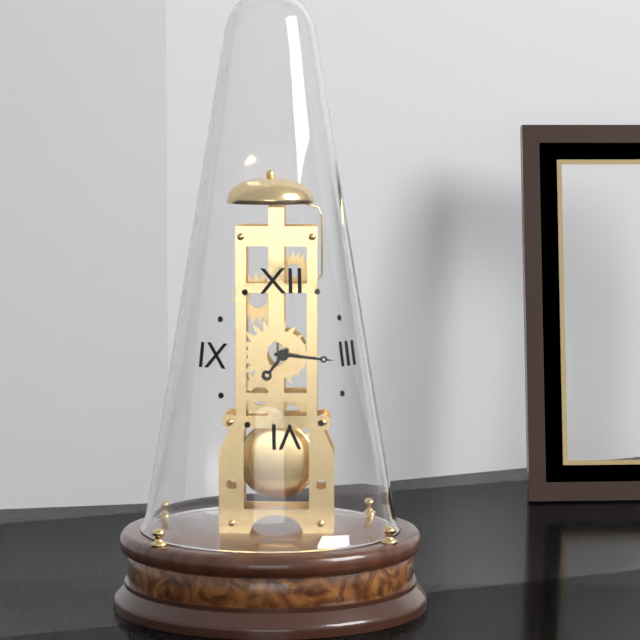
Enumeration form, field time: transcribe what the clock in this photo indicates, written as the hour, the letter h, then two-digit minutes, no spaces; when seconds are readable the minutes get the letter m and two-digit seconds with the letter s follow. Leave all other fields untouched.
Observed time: 7h16
